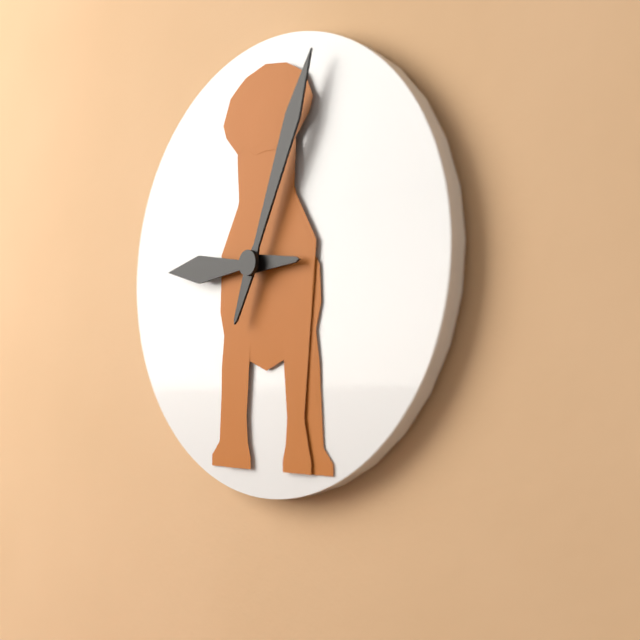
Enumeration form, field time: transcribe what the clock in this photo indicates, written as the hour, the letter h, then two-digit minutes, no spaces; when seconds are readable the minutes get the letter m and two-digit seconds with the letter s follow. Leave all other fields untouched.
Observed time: 9h04
